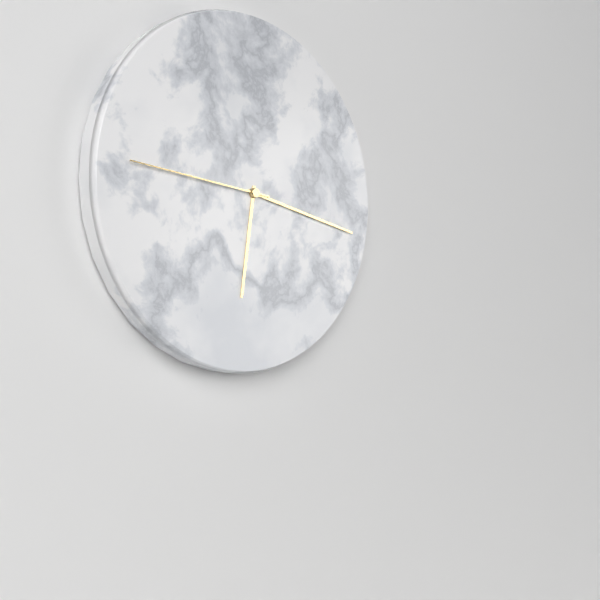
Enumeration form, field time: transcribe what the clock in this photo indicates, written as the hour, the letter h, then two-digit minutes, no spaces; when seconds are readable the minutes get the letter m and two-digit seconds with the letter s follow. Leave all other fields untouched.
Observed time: 6h17m46s
